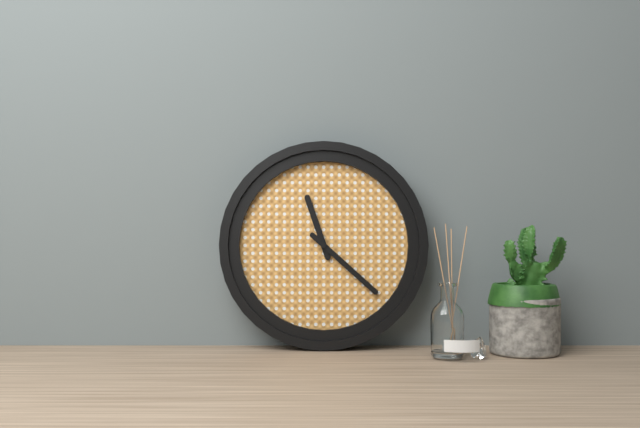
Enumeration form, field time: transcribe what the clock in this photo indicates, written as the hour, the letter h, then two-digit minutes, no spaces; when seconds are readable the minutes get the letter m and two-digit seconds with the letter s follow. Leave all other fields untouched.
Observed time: 11h22
